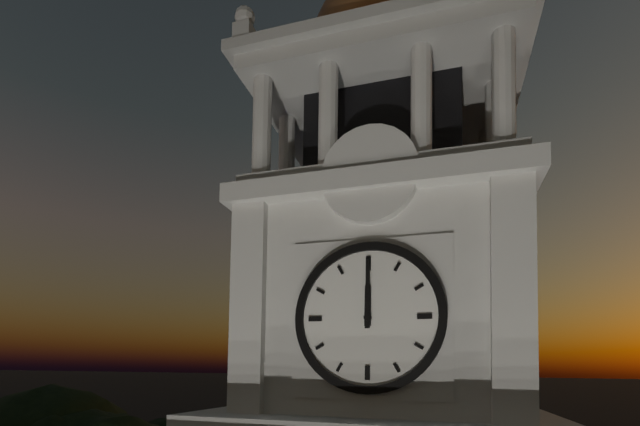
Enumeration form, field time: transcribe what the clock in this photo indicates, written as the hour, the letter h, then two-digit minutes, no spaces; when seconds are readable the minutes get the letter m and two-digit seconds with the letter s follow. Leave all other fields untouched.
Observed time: 12h00
